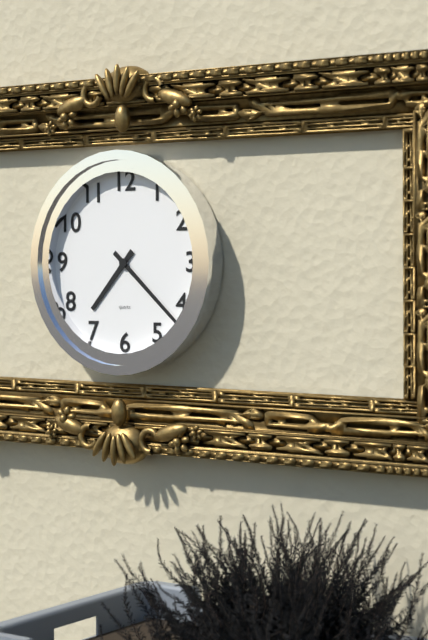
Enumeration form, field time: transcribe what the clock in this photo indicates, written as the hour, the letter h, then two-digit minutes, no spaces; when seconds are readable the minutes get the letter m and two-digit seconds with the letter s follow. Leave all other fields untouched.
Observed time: 7h22
